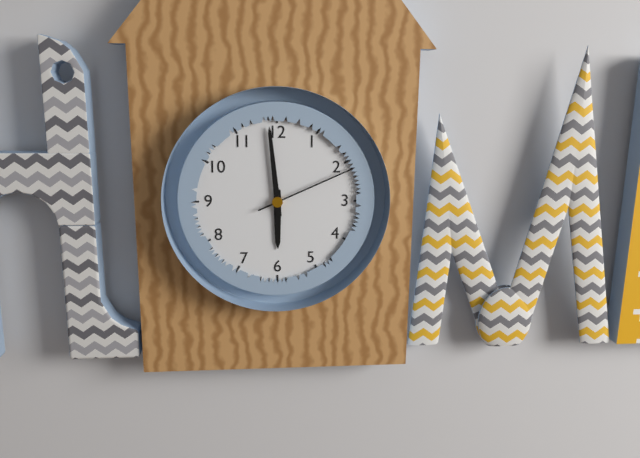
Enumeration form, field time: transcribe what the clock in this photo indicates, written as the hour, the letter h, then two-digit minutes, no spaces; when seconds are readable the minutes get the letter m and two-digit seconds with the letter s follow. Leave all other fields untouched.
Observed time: 5h59m11s
